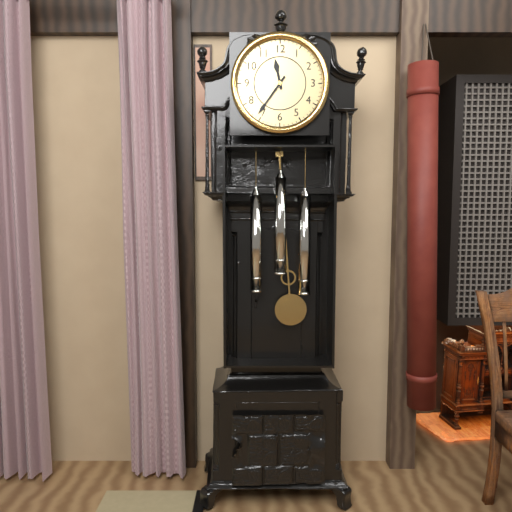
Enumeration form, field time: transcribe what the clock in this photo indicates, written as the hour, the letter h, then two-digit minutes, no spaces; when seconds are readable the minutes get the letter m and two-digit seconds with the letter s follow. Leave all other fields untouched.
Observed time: 11h36
